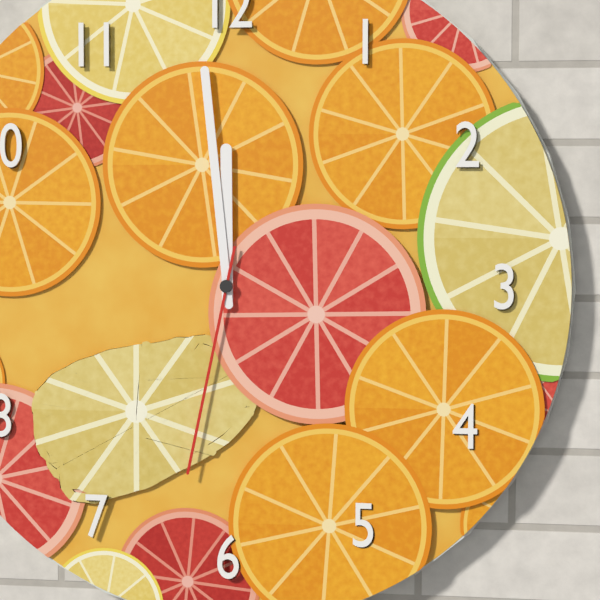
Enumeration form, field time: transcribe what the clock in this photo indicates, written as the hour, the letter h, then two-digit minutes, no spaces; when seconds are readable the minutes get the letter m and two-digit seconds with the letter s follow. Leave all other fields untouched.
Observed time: 11h59m32s
